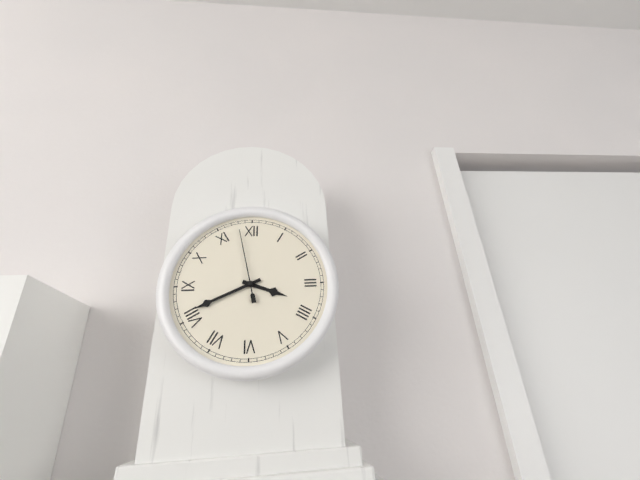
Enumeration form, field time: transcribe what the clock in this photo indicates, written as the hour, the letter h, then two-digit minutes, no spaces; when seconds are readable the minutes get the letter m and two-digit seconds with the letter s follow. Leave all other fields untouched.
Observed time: 3h41m58s
